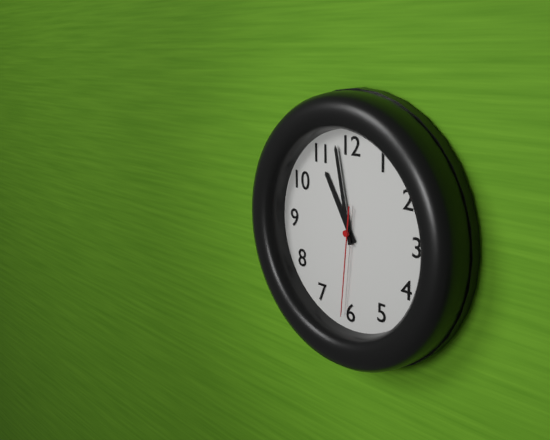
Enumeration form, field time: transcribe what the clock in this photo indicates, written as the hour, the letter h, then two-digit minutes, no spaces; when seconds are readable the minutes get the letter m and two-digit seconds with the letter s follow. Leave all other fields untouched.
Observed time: 10h58m31s
